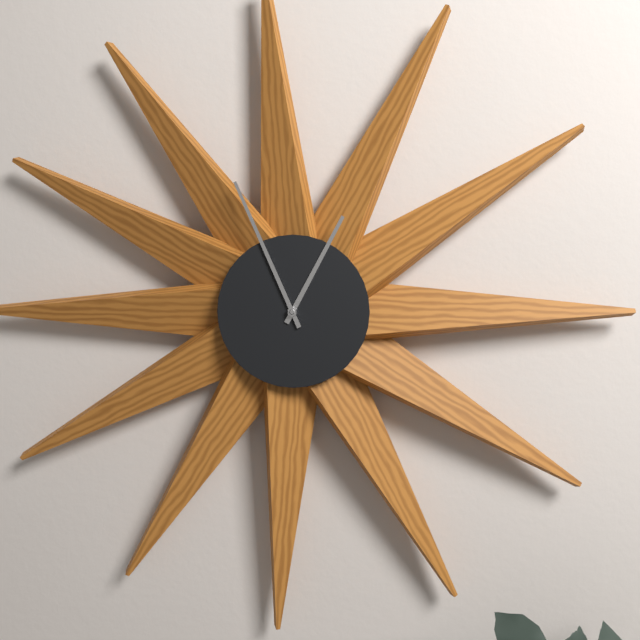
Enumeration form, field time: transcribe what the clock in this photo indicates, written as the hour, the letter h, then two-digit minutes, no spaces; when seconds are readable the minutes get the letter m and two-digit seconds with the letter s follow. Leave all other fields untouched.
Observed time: 12h56
